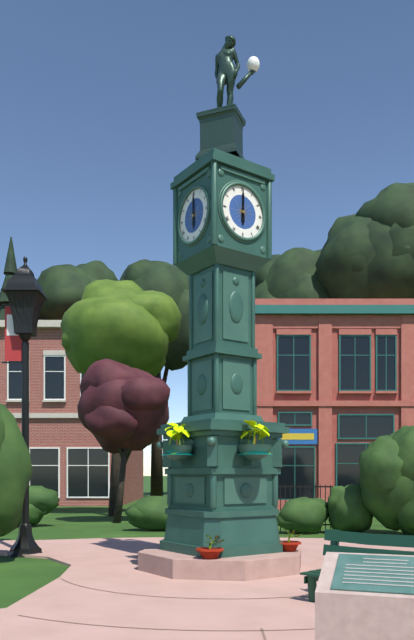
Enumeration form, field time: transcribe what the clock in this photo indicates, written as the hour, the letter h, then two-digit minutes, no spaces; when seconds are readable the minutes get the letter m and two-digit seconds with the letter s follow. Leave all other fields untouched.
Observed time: 6h00
